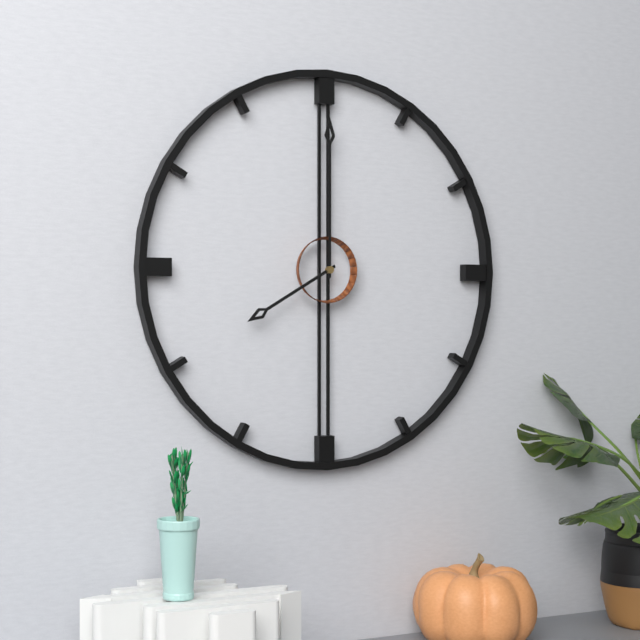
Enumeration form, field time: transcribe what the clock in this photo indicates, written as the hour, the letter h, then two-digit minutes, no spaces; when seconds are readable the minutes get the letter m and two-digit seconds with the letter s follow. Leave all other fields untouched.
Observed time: 8h00
